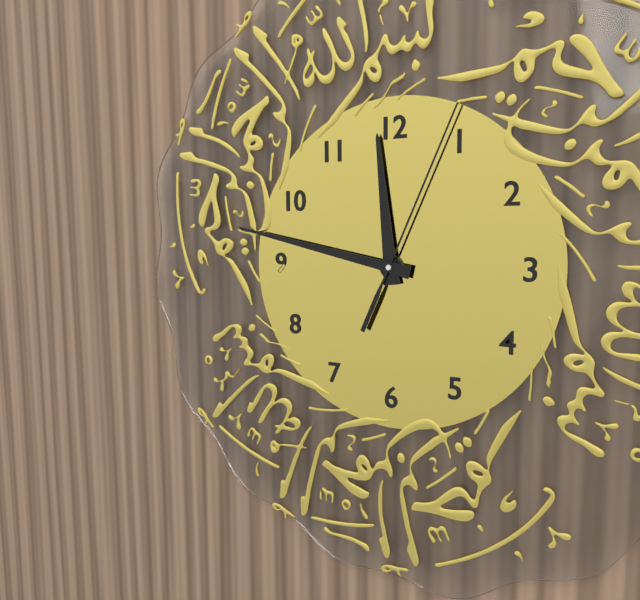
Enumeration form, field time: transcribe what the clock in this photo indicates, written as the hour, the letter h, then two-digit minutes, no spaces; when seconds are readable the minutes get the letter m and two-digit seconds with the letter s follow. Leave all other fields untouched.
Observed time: 11h47m04s
